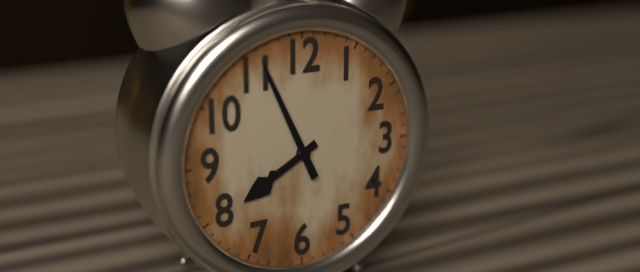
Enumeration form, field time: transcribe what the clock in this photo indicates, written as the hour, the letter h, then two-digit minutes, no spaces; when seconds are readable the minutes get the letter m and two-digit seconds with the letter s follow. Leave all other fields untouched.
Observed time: 7h56
